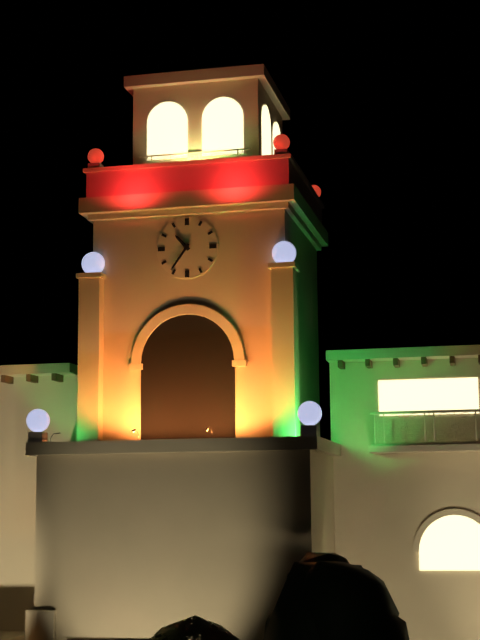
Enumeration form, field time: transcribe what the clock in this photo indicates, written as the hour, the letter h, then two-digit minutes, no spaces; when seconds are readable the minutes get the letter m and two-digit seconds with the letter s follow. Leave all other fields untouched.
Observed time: 10h36
